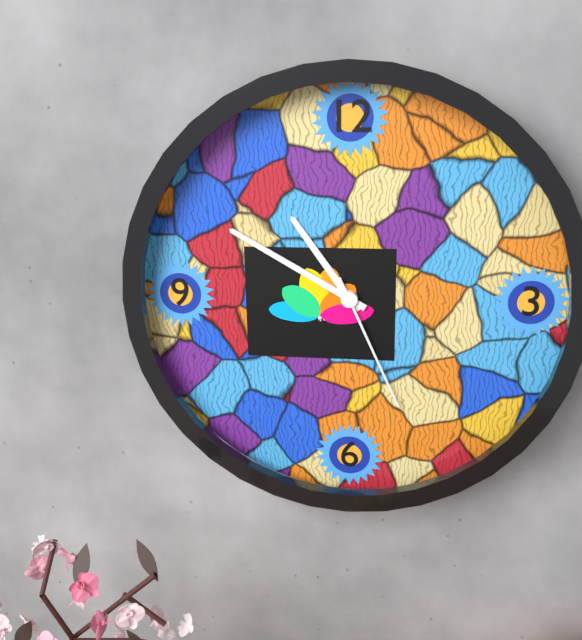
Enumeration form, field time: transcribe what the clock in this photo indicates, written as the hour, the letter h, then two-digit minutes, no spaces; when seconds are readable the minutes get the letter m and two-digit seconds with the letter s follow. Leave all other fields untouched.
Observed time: 10h50m26s
